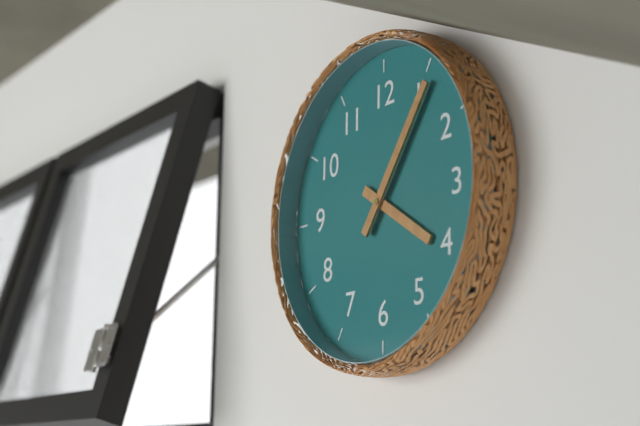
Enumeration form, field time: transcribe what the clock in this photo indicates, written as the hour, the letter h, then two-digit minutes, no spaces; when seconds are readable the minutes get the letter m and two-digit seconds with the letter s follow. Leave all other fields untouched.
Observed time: 4h06
